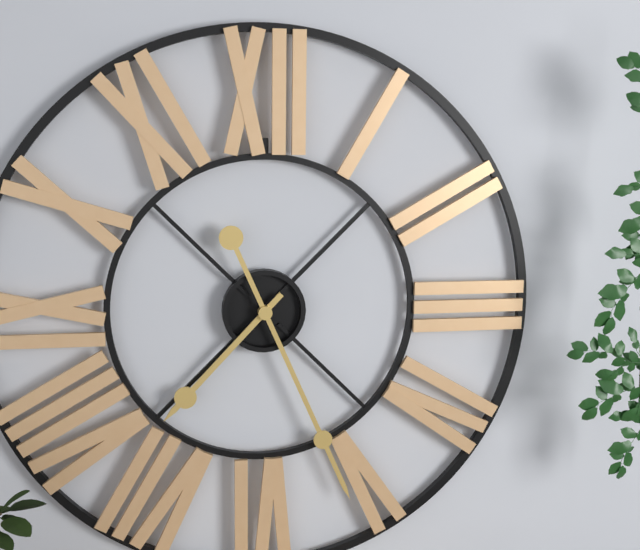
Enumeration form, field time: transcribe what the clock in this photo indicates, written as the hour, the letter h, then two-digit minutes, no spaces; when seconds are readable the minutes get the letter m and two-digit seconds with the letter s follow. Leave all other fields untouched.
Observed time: 7h26
